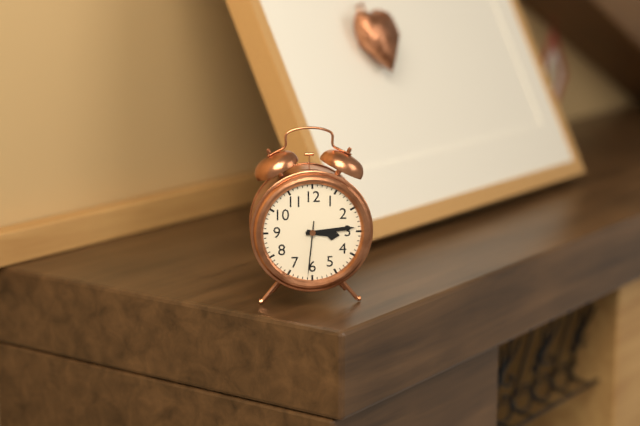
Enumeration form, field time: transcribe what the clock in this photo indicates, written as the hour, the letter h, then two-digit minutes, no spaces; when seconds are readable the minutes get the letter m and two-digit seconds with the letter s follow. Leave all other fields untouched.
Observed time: 3h14m31s
